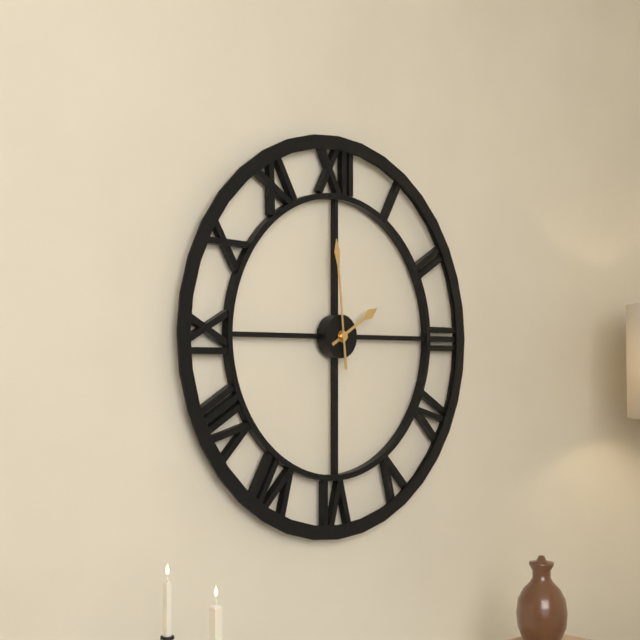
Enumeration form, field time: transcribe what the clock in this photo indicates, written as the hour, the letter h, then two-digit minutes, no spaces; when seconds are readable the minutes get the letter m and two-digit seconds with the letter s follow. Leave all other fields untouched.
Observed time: 1h59
